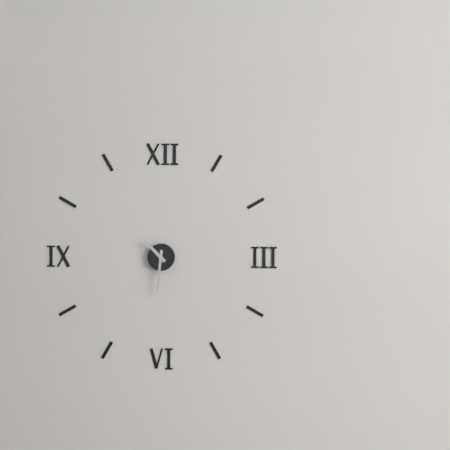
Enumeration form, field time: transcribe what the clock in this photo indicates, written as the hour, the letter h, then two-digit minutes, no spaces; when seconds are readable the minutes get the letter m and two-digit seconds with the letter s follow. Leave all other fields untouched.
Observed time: 10h31
